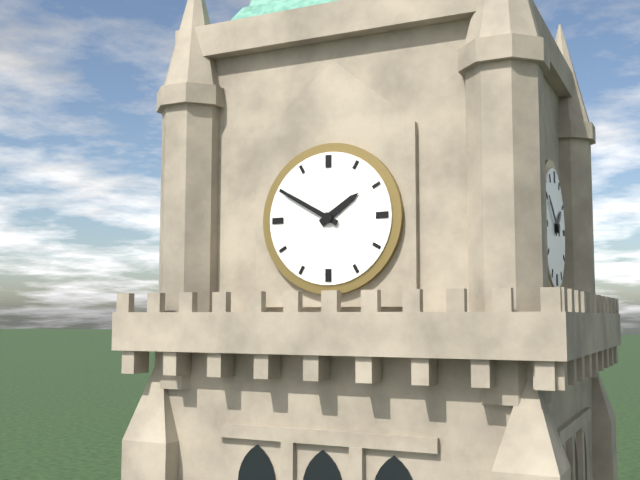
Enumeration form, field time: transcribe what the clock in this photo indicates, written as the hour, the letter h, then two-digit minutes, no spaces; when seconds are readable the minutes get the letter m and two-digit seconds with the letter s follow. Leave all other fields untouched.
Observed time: 1h50
